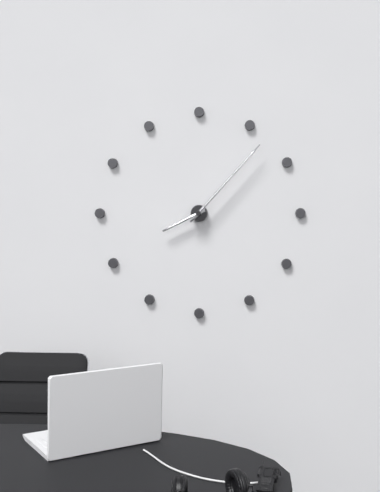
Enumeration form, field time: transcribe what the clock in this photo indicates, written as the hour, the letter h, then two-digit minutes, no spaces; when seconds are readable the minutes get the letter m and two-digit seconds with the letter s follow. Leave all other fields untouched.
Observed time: 8h07
